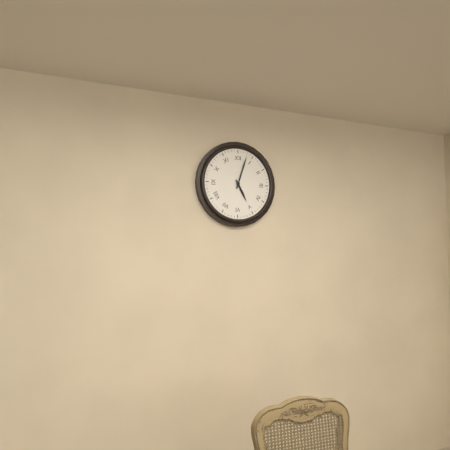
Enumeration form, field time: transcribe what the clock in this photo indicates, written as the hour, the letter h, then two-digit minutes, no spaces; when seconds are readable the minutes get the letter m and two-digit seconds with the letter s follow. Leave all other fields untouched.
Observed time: 5h03
